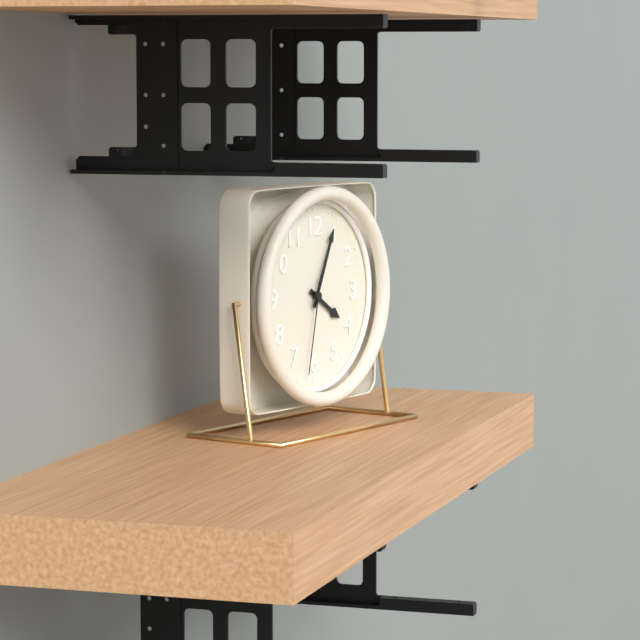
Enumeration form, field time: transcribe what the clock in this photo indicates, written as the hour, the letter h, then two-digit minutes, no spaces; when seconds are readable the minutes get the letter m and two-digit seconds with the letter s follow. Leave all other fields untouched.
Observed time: 4h04m32s
